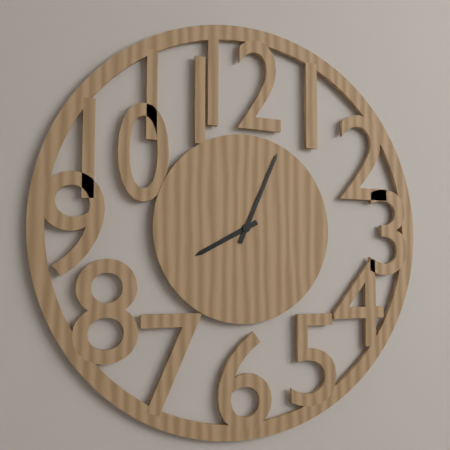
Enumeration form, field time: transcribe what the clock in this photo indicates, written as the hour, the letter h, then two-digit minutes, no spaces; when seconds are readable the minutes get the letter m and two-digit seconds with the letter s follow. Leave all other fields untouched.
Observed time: 8h04
